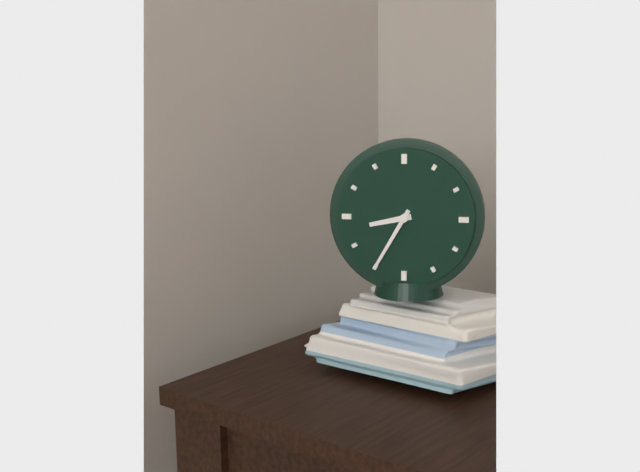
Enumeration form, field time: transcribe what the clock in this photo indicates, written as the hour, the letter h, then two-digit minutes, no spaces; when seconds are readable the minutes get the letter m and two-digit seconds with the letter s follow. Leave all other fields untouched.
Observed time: 8h35
